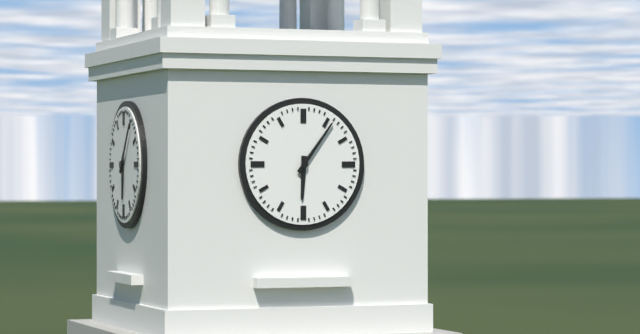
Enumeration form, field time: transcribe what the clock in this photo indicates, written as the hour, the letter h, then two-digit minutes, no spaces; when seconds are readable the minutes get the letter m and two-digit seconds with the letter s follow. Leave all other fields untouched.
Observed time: 6h06
